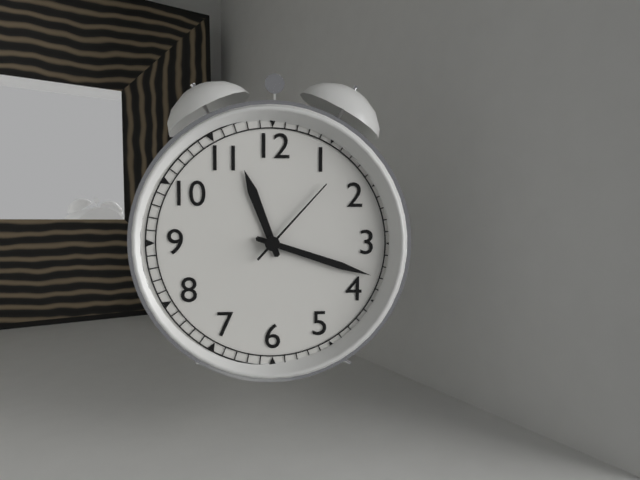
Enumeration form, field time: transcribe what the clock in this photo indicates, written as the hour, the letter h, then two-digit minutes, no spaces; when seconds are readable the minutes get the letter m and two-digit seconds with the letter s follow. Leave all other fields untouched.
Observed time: 11h18m07s
